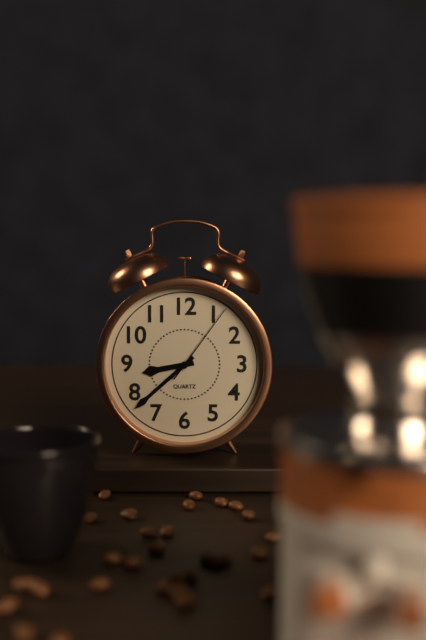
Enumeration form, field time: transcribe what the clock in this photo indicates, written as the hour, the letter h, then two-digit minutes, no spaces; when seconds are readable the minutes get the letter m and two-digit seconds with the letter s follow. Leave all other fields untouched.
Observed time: 8h38m06s
